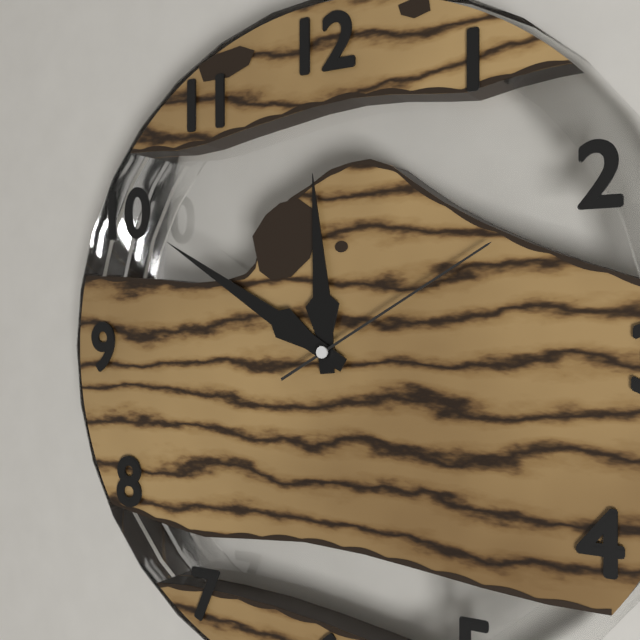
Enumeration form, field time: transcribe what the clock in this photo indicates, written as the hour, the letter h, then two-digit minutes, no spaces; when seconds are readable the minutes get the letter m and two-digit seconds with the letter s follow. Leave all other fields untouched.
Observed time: 11h50m10s
